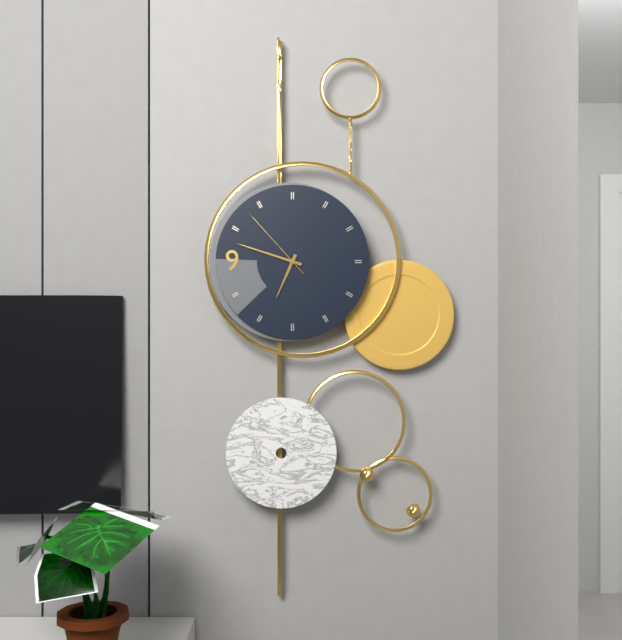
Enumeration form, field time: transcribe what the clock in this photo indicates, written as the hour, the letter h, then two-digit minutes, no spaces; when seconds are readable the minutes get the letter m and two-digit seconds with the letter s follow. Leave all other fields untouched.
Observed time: 6h48m53s
